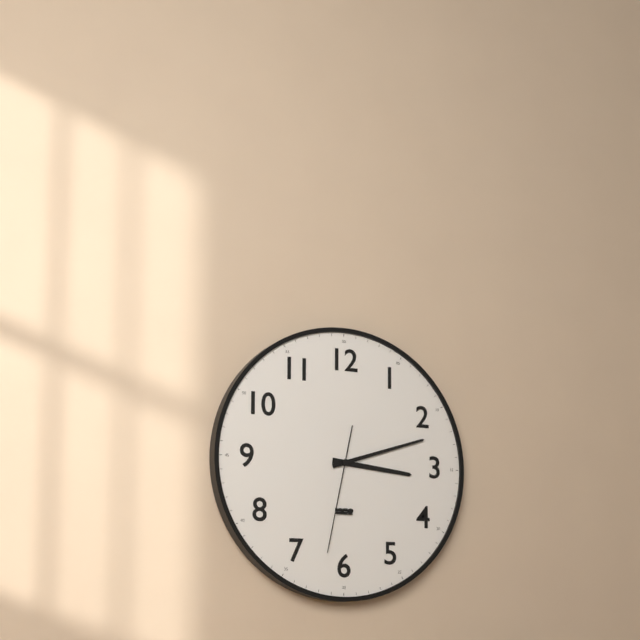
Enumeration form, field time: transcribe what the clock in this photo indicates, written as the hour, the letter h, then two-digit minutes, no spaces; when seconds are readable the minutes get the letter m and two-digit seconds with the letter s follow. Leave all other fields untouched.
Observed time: 3h12m32s
